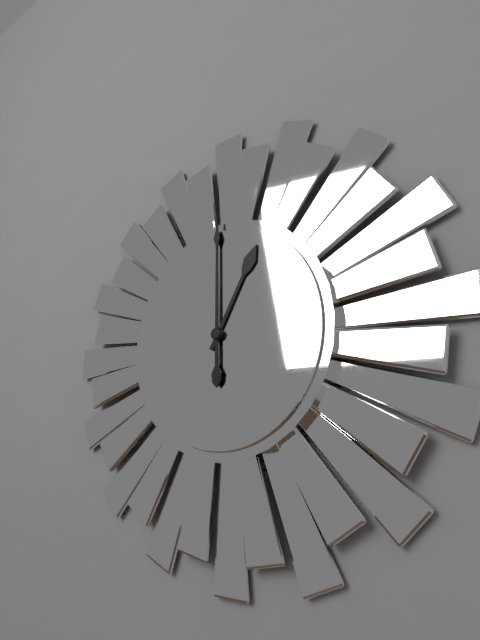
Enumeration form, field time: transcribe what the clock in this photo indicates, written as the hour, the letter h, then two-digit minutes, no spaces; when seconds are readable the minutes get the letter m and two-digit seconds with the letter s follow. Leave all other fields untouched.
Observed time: 1h00
